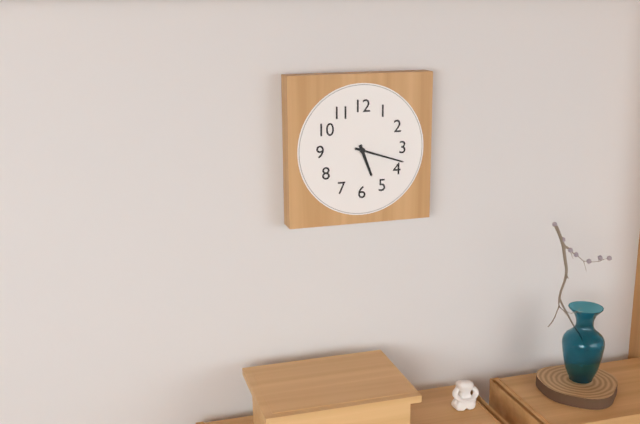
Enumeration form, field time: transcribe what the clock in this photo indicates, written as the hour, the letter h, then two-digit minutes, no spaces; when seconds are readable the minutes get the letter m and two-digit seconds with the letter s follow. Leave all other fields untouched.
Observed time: 5h18
